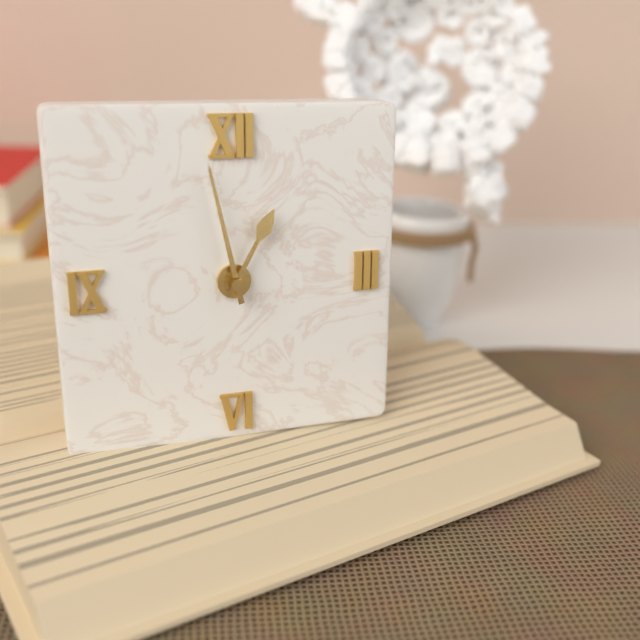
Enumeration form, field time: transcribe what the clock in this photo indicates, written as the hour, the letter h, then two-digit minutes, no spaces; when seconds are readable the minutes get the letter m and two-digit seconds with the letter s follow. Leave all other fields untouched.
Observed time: 12h58
